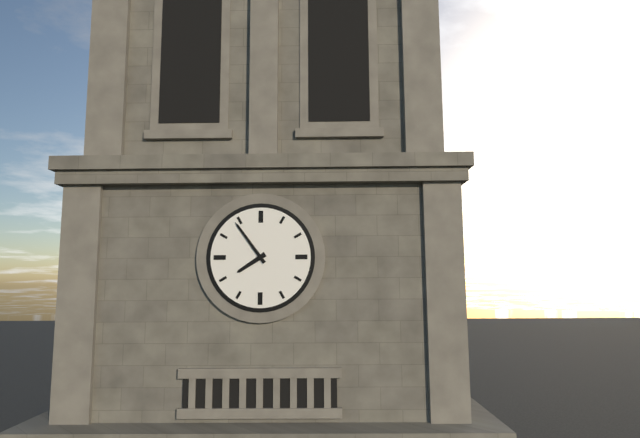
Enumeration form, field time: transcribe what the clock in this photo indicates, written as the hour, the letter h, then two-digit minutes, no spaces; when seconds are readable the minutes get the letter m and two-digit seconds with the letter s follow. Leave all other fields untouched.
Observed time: 7h54
